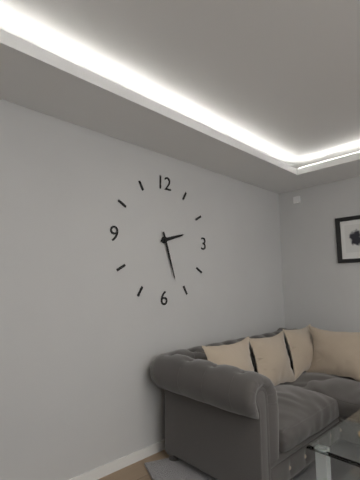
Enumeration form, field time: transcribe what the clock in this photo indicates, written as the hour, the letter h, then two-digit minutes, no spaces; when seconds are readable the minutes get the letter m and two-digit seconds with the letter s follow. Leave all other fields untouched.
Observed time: 2h27
